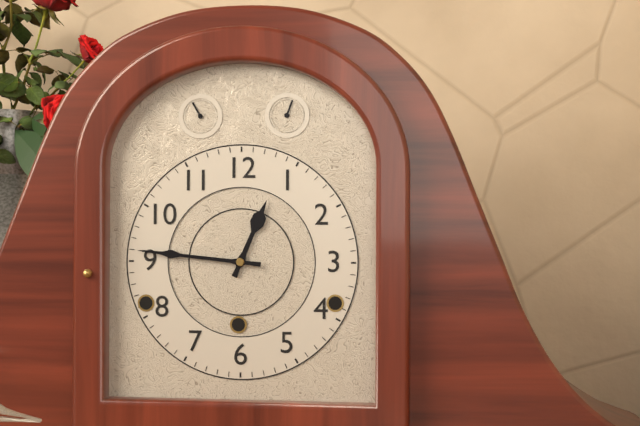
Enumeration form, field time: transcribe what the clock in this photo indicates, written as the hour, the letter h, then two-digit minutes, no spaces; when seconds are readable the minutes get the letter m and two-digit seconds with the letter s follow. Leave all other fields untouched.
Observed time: 12h46
